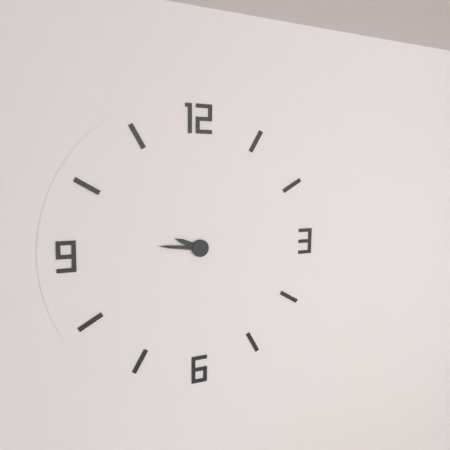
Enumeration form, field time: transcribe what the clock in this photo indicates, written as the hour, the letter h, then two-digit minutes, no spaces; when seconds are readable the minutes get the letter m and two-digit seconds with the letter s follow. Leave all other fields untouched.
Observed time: 9h46
